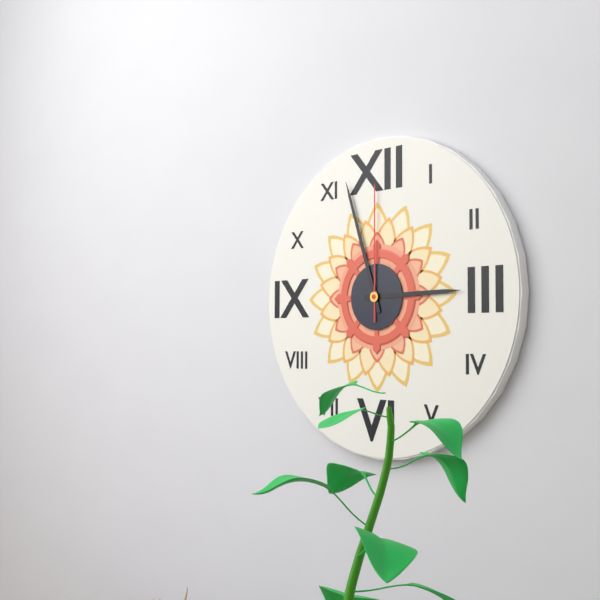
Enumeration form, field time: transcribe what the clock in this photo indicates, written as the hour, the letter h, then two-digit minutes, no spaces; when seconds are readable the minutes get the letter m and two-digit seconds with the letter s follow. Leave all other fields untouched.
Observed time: 2h57m00s
